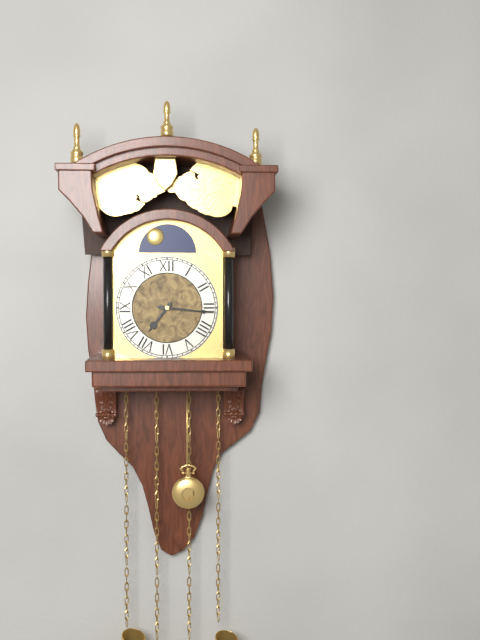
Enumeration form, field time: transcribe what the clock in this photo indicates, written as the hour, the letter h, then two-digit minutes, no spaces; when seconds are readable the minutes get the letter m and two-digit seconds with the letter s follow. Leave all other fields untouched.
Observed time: 7h16
